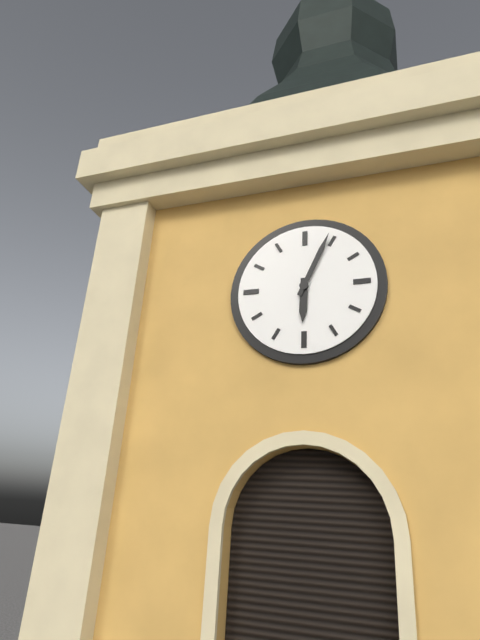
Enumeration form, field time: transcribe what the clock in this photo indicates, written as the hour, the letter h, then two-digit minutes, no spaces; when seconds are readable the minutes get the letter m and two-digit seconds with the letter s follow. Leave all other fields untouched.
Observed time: 6h04
